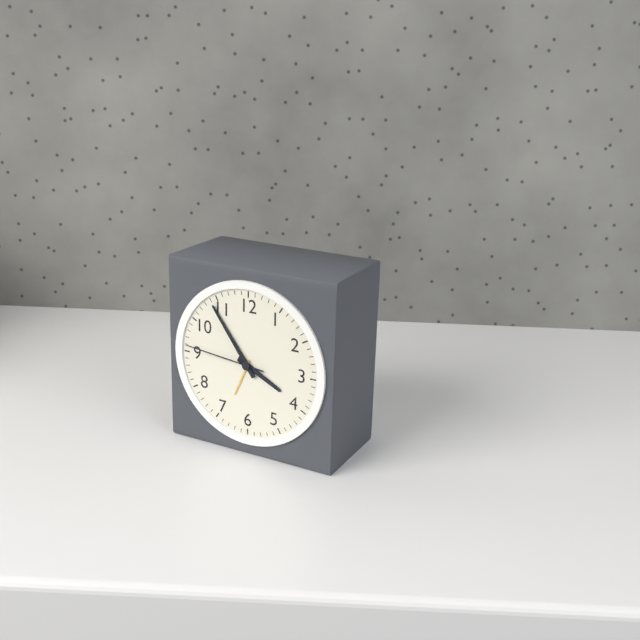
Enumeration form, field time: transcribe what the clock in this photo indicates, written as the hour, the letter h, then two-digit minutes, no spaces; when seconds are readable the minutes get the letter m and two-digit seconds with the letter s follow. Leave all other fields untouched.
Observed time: 3h54m46s
